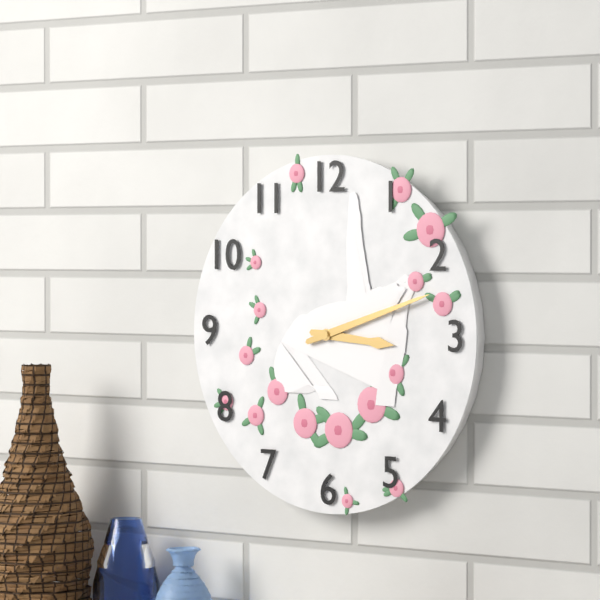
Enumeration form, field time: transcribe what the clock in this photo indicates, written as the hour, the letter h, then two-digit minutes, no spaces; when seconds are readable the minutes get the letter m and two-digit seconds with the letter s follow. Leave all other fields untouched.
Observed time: 3h12
